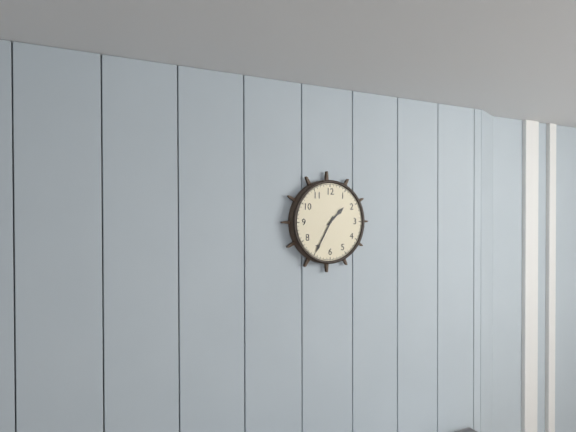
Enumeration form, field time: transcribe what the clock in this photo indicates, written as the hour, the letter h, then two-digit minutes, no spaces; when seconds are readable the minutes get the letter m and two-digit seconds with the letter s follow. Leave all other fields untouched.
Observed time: 1h35
